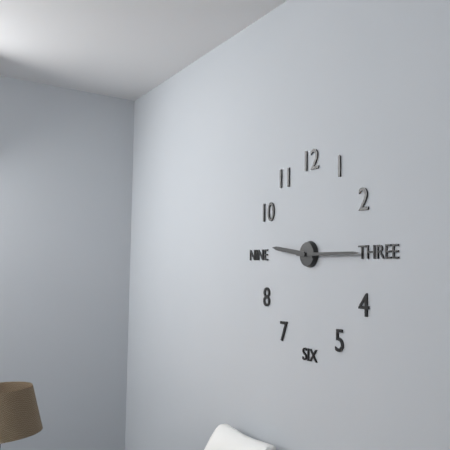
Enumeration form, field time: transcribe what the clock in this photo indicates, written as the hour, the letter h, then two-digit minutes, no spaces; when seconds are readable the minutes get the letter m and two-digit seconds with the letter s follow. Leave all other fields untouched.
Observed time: 9h15
